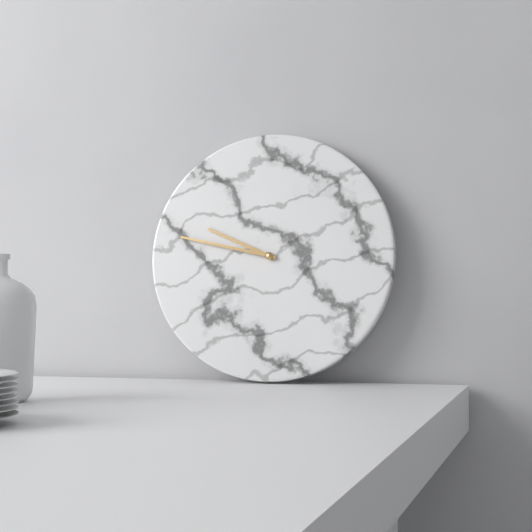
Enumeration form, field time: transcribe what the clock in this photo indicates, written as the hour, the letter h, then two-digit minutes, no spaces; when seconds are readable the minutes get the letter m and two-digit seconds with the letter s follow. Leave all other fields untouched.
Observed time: 9h47
